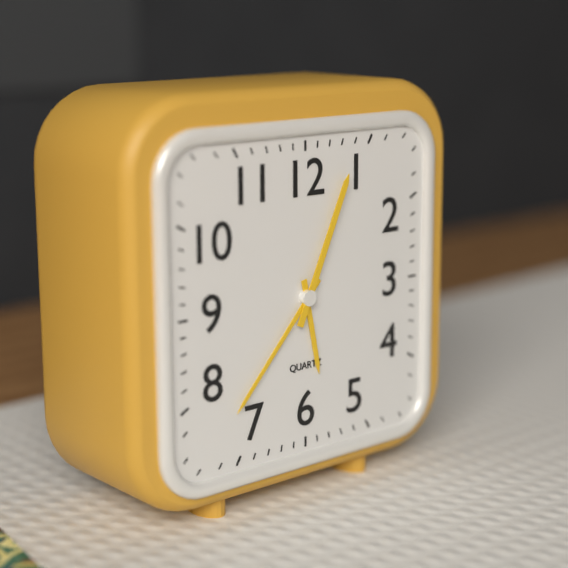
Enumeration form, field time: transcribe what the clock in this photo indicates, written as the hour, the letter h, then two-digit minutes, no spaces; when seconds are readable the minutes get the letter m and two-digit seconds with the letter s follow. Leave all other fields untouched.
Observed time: 5h37m04s
